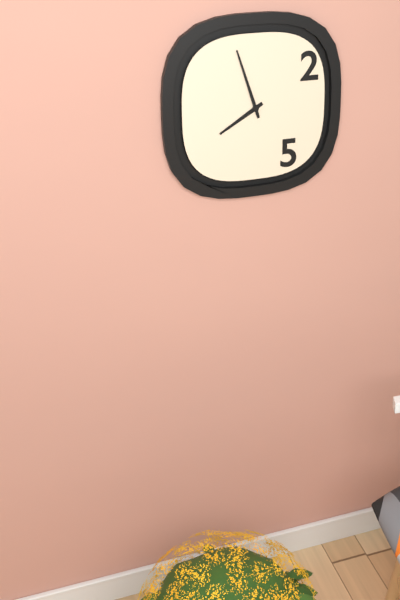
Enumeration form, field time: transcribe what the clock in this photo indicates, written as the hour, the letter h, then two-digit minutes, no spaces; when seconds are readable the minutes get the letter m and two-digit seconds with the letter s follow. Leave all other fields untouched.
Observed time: 7h57
